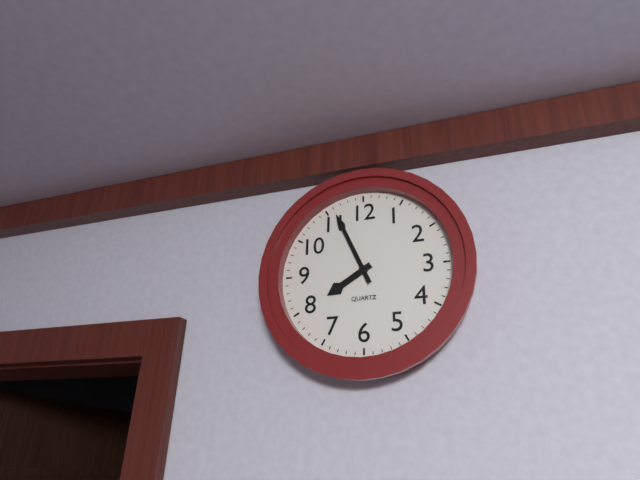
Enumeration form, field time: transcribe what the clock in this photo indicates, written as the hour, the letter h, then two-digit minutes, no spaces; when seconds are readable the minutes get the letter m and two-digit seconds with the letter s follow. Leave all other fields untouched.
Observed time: 7h56
